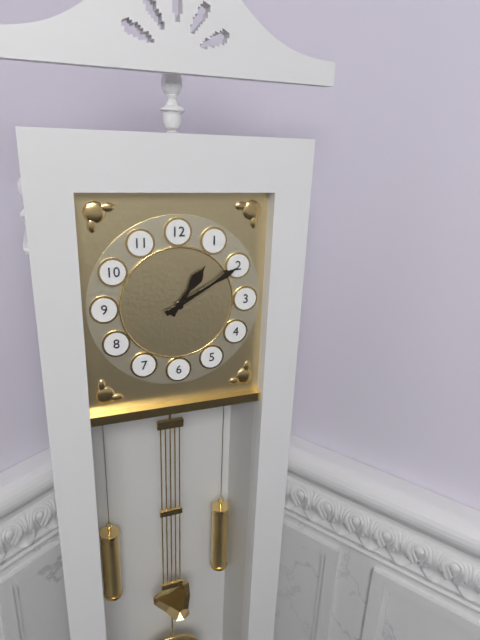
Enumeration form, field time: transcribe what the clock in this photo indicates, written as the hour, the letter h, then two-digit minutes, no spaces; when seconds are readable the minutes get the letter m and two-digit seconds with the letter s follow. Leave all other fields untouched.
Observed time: 1h10
